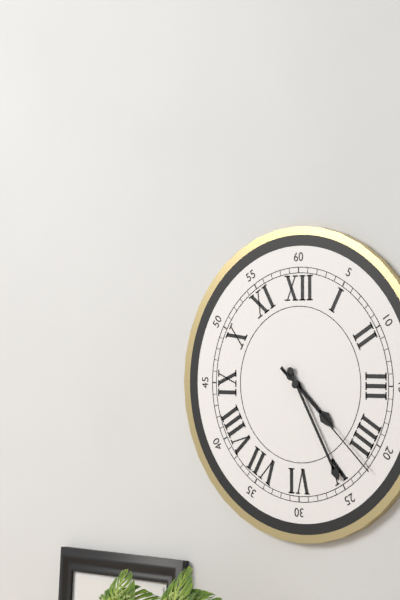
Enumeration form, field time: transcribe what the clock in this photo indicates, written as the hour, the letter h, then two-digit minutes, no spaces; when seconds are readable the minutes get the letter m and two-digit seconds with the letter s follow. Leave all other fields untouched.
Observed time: 4h25m22s
